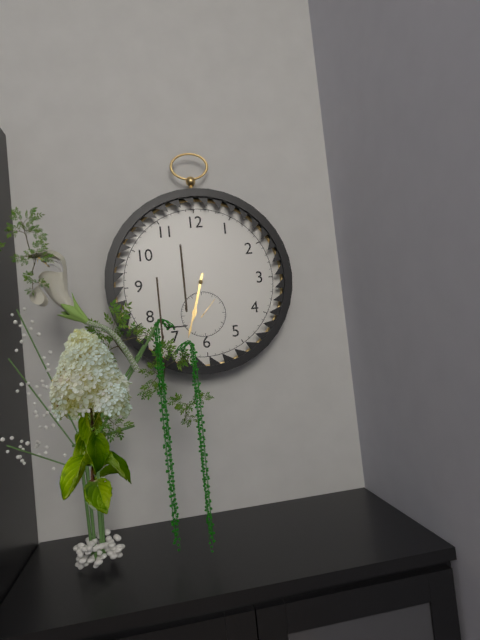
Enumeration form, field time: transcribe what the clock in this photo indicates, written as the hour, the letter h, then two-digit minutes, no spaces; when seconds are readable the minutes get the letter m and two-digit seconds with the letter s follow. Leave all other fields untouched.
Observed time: 6h33
